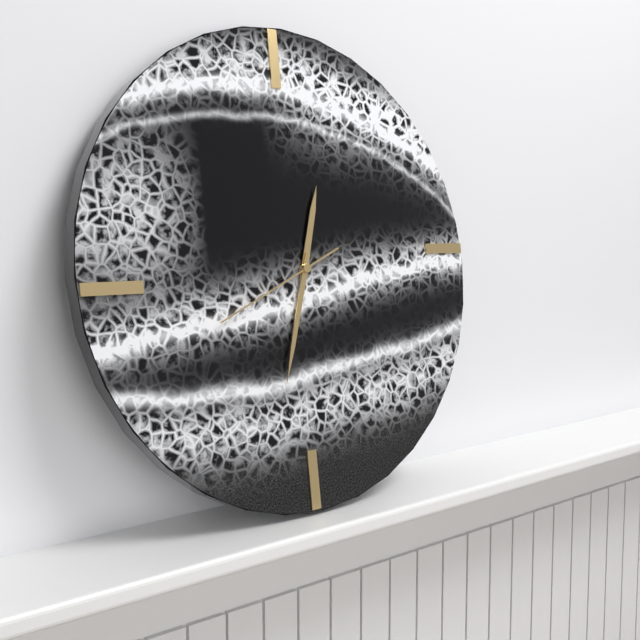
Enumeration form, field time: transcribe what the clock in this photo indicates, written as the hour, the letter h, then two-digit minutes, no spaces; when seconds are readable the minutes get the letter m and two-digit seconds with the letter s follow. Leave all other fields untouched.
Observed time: 12h33m41s
